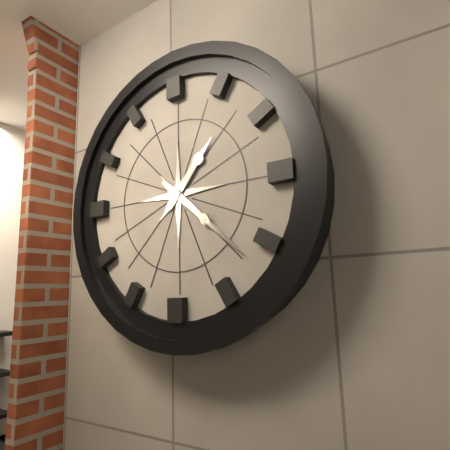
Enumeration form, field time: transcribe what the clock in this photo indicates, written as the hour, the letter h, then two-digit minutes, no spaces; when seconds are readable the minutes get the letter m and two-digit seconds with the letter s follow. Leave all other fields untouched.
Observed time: 1h22
